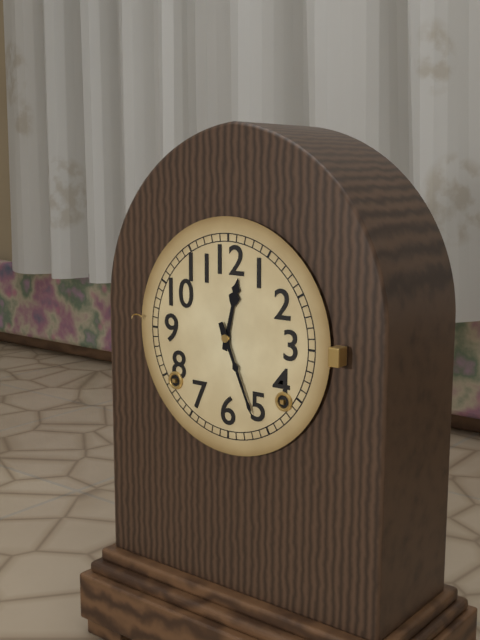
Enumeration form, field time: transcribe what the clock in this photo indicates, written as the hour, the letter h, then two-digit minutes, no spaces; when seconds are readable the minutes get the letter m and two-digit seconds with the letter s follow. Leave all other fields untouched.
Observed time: 12h26
